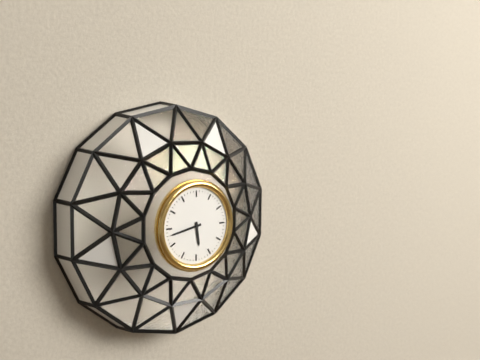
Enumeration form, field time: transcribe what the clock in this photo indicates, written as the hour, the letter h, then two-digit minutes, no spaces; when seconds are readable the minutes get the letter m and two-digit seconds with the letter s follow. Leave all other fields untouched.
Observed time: 5h43
